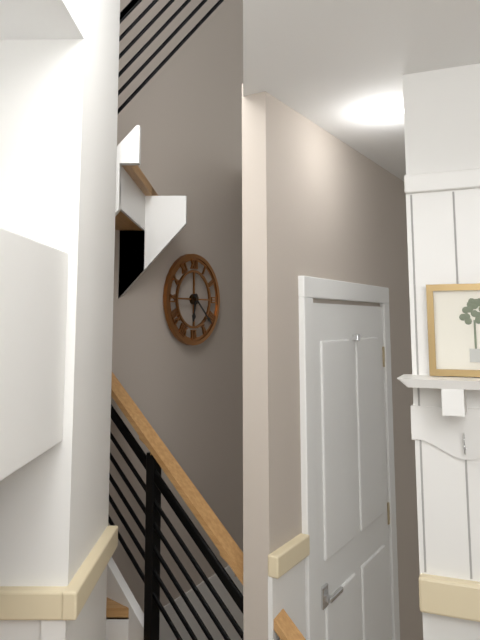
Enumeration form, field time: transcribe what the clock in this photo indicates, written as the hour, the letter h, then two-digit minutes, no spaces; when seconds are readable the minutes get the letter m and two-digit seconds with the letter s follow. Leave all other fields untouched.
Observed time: 6h22
